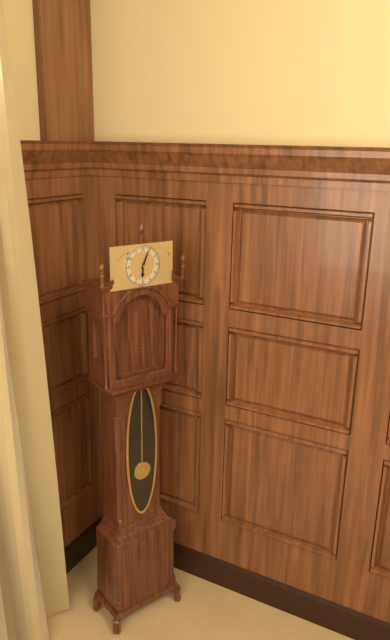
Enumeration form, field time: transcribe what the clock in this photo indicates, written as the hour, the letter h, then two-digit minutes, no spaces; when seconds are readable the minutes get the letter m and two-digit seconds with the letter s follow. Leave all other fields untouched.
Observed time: 6h04
